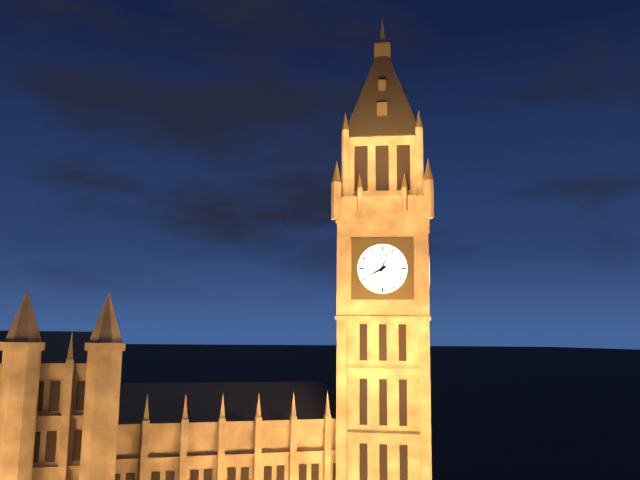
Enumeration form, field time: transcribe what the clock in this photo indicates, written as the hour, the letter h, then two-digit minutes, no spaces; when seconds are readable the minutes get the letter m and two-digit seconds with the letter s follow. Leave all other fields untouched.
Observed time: 8h03
